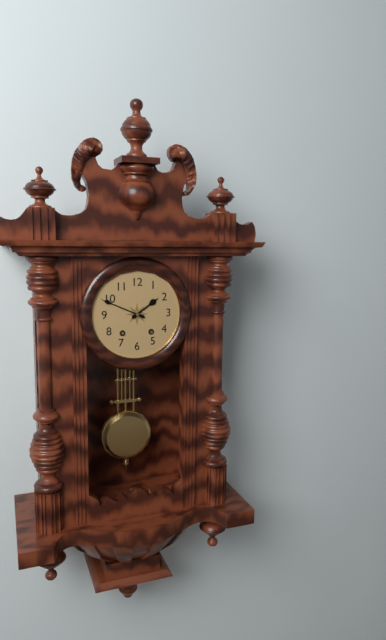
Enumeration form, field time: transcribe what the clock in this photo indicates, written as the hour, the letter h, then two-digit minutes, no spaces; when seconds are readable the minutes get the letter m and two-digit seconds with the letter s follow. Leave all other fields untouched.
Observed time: 1h49
